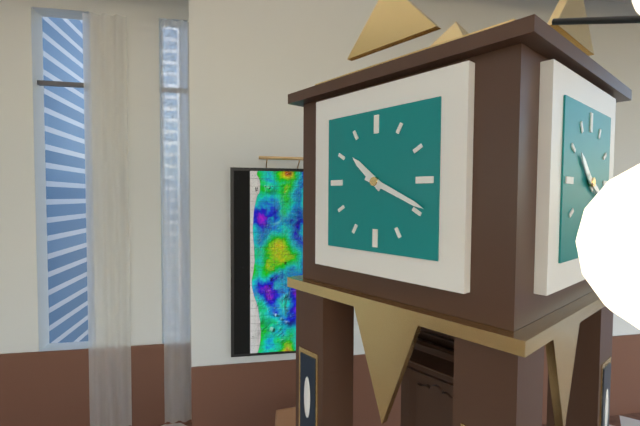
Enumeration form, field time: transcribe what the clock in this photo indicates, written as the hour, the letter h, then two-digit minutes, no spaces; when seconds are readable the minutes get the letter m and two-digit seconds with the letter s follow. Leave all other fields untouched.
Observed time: 10h19
